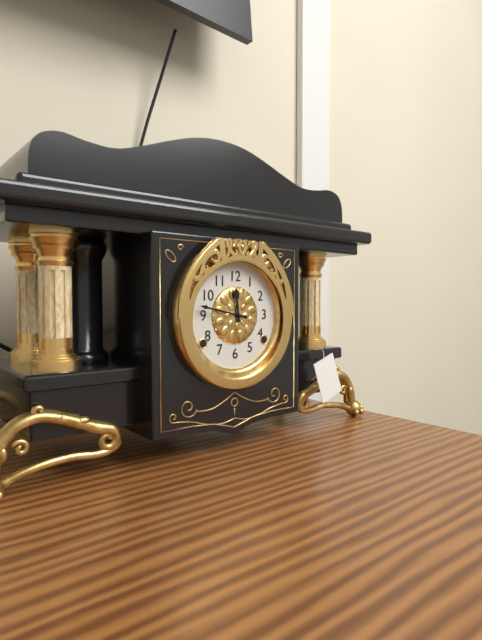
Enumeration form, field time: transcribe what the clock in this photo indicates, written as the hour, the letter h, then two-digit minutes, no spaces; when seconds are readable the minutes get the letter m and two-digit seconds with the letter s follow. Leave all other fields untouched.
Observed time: 11h47
